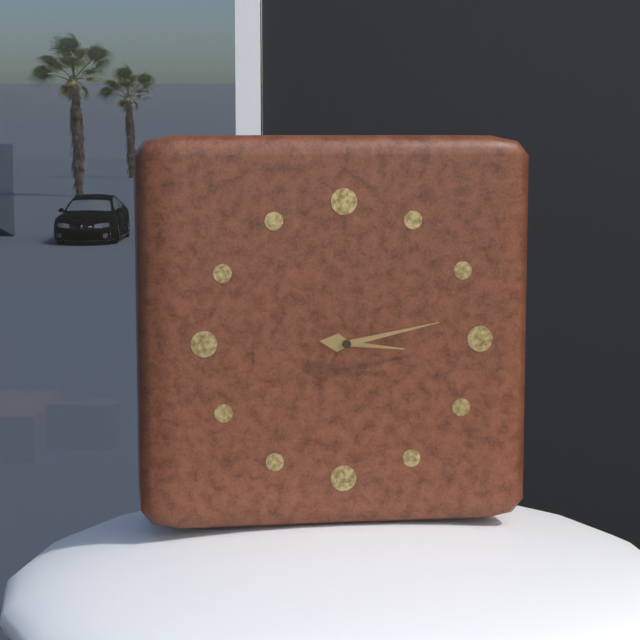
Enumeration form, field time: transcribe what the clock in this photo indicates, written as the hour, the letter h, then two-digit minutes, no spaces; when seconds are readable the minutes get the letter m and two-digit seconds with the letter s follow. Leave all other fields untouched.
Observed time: 3h13
